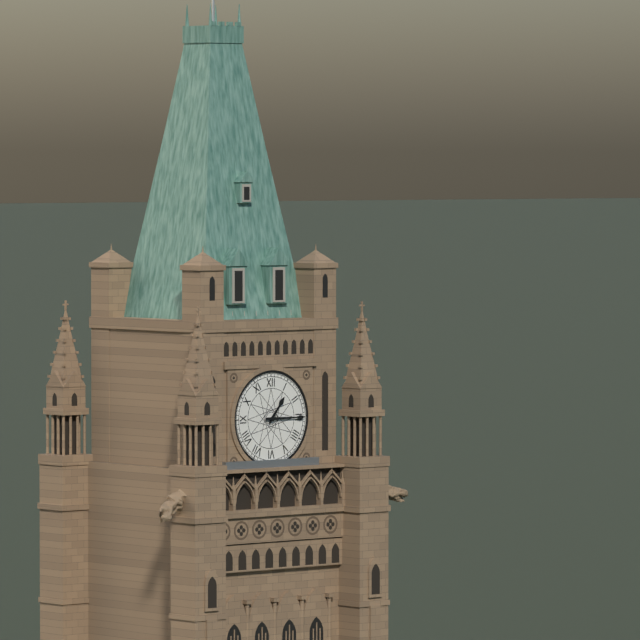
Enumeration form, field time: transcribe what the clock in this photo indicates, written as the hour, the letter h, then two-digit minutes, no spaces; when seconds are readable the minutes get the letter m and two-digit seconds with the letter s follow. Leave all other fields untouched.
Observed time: 1h15
